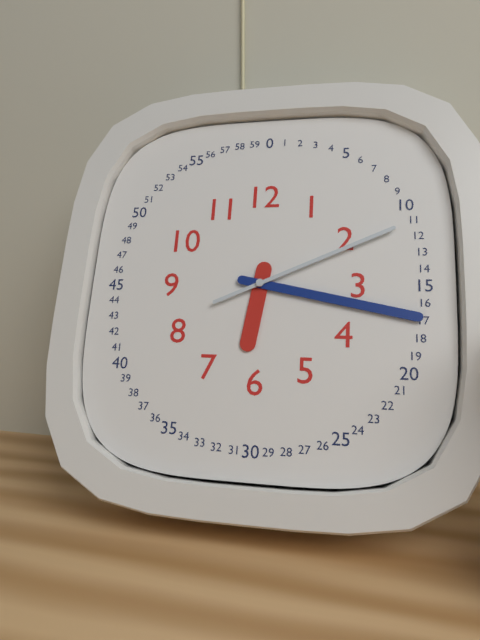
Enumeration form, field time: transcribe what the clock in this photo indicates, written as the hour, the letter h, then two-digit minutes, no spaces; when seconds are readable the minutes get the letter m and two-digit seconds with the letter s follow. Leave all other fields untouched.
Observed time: 6h17m11s
